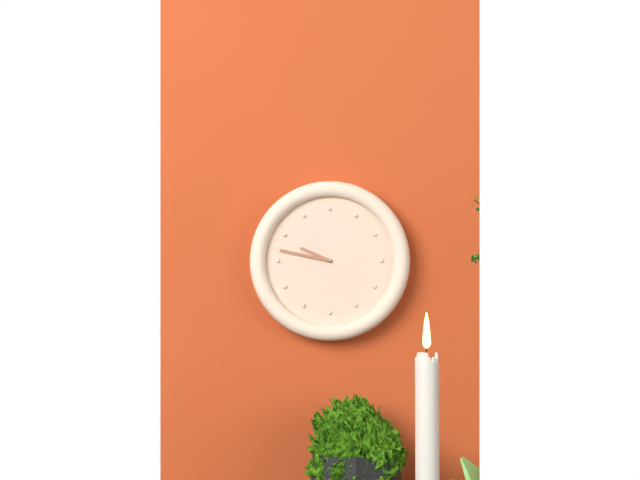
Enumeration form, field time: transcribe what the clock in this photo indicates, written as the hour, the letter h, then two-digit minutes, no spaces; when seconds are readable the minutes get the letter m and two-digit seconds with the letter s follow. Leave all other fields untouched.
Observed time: 9h47
